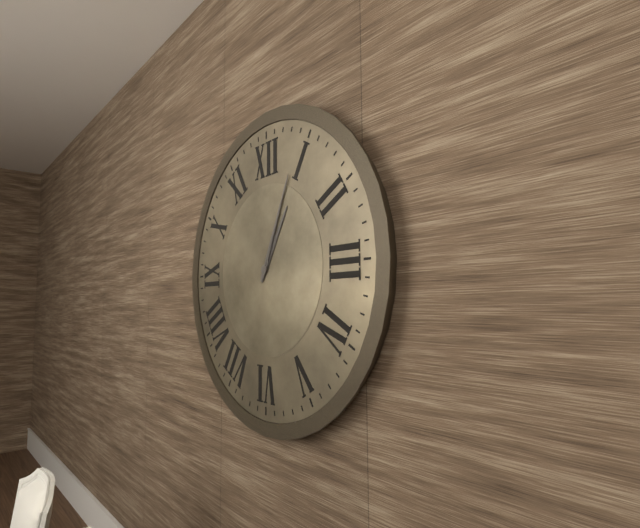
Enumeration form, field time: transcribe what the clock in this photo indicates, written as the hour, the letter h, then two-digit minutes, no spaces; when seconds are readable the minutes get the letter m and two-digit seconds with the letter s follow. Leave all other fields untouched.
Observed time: 1h04
